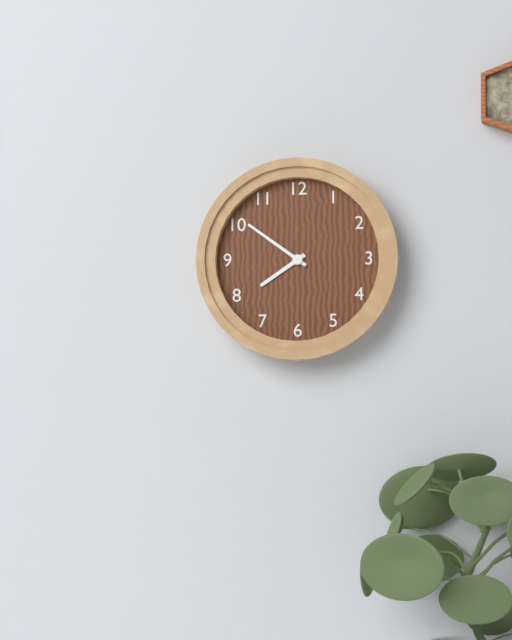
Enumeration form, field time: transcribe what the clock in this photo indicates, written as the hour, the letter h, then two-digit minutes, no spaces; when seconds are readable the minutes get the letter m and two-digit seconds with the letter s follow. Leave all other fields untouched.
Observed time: 7h51
